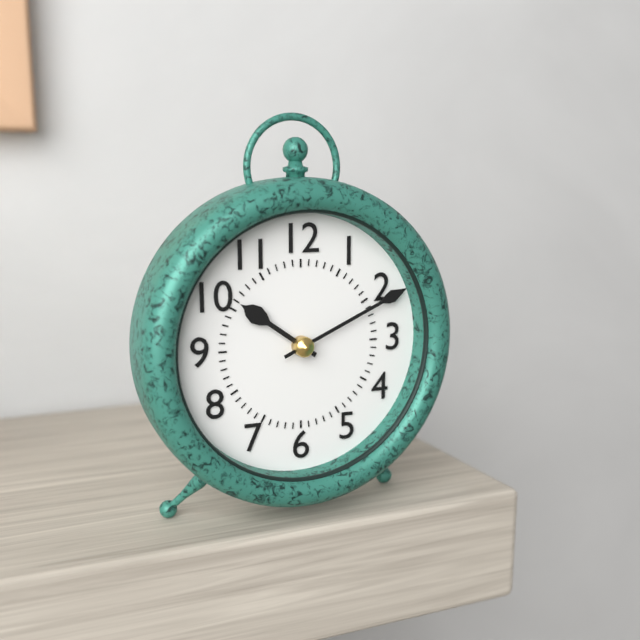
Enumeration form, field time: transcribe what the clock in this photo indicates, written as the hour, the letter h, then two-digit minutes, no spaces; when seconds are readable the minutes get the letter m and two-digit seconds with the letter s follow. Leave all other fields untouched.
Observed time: 10h11
